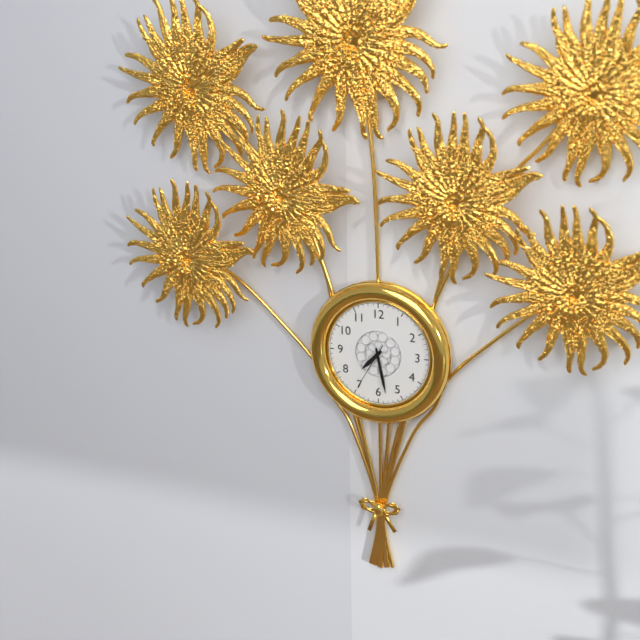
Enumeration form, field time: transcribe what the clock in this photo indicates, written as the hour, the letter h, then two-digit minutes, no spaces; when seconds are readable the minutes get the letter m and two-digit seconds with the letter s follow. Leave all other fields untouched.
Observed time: 7h28
